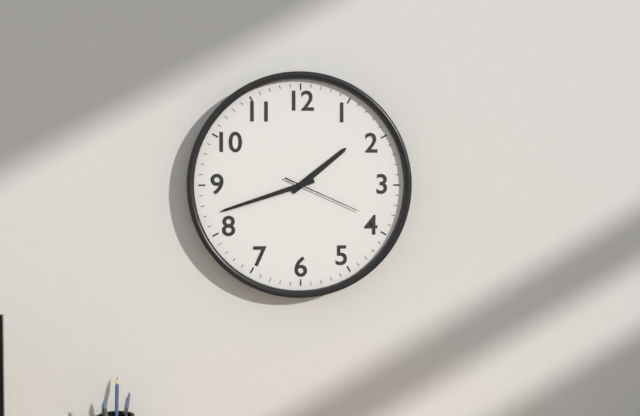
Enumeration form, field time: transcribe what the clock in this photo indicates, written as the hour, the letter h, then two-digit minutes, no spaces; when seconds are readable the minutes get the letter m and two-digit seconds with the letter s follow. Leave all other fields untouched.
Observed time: 1h42m19s
